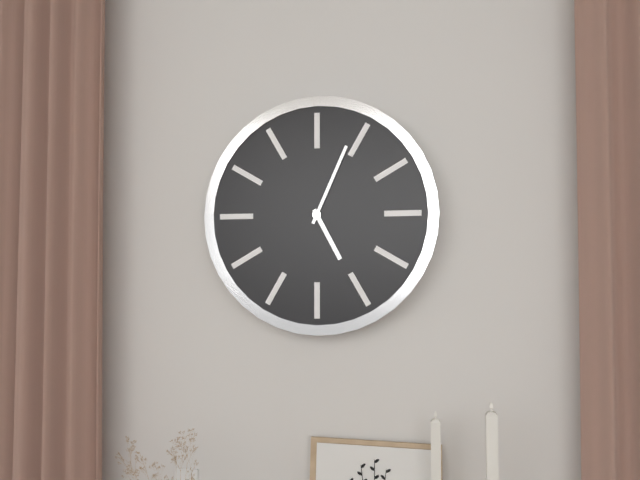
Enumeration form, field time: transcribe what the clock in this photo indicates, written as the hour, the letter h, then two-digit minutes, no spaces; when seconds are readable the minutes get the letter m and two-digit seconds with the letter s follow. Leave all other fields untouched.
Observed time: 5h04
